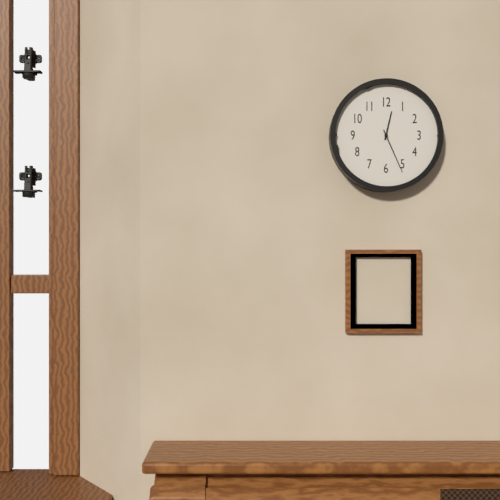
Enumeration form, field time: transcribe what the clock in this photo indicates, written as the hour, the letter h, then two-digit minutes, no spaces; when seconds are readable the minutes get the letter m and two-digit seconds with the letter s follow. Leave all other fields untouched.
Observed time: 12h26
